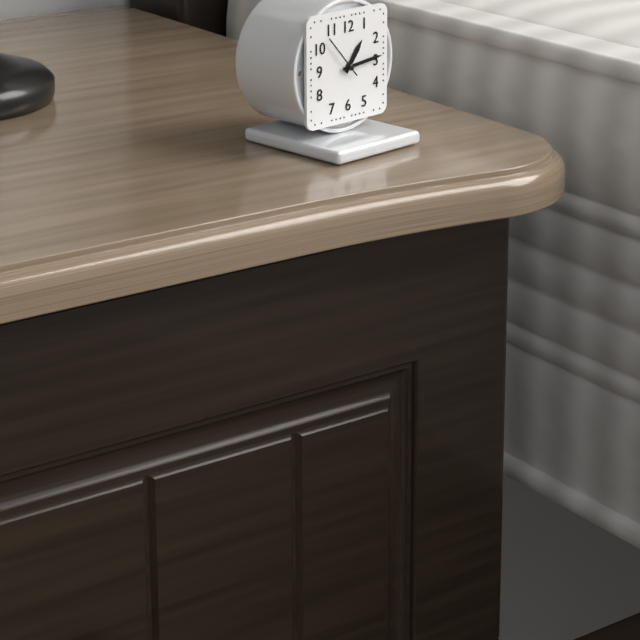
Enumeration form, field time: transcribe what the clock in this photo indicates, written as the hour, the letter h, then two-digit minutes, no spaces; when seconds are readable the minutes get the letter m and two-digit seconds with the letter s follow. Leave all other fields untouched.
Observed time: 1h14
